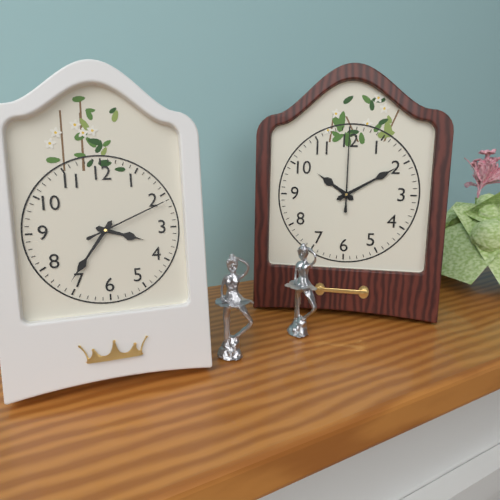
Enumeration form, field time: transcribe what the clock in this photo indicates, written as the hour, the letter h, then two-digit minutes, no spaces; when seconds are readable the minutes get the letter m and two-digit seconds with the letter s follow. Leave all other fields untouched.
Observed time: 3h36m11s
